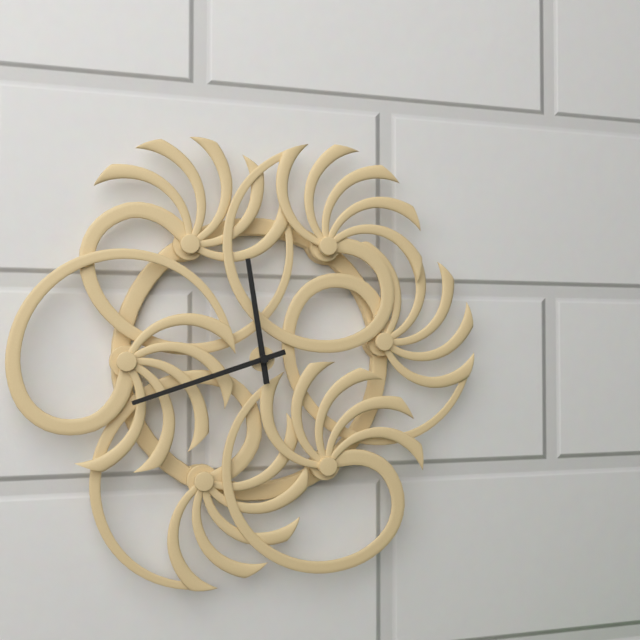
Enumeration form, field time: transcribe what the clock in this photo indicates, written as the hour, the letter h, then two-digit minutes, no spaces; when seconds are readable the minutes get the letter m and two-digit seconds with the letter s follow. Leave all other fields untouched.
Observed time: 11h42
